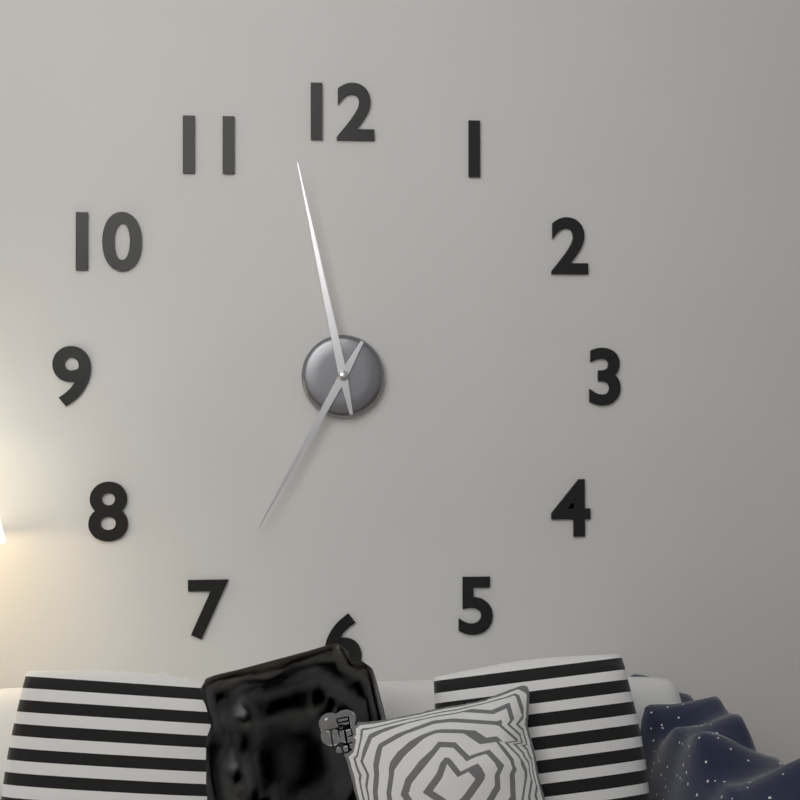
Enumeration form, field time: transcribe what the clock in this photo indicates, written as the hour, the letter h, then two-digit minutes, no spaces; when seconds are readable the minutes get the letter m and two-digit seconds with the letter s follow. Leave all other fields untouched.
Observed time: 6h58
